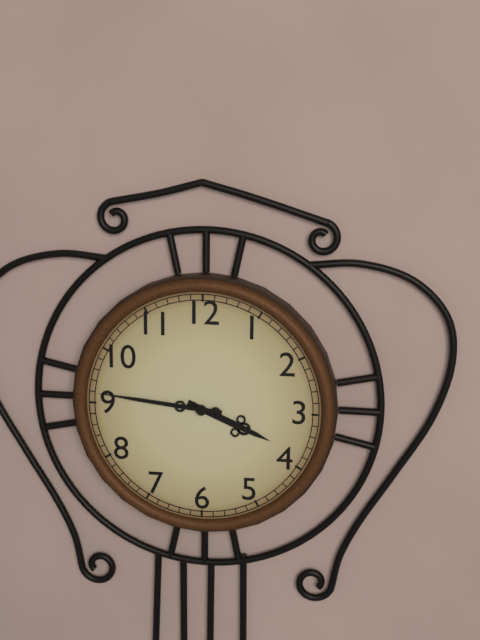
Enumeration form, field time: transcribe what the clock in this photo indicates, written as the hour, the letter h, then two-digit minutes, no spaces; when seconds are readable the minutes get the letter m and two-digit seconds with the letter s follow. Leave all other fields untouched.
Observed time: 3h46
